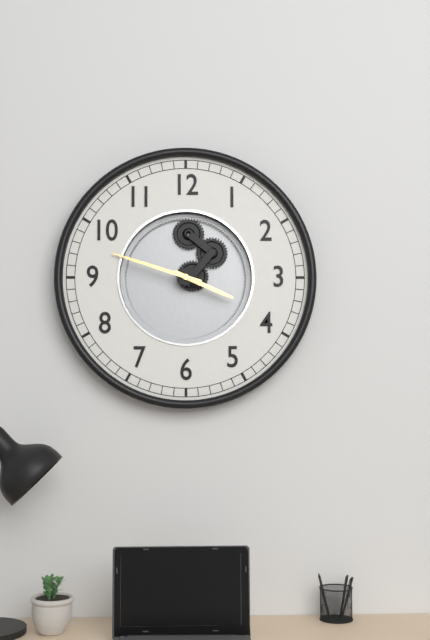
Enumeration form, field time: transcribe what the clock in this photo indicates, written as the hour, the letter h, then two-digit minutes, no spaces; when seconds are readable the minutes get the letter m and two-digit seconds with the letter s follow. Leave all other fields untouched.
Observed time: 3h48
